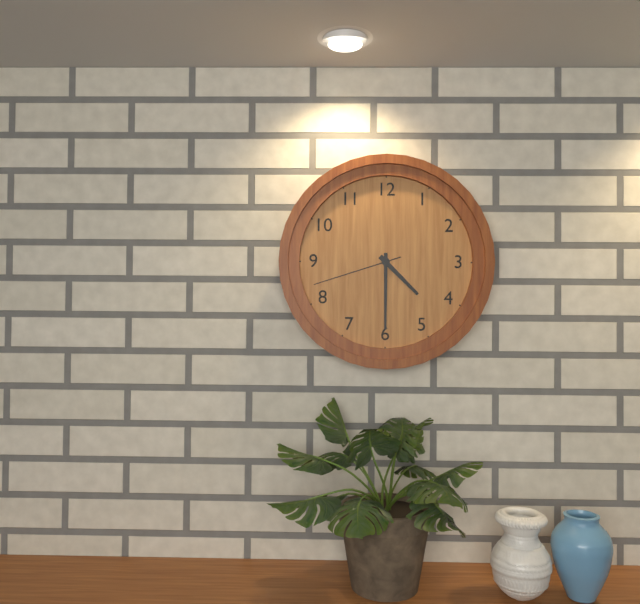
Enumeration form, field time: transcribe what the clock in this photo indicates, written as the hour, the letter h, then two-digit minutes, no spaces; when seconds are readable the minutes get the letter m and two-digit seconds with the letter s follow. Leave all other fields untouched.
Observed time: 4h30m42s
